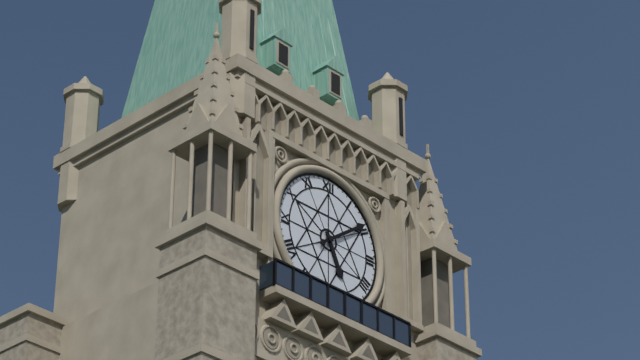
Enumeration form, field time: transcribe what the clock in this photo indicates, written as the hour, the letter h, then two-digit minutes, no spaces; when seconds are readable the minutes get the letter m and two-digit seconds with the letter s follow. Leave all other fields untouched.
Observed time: 5h09
